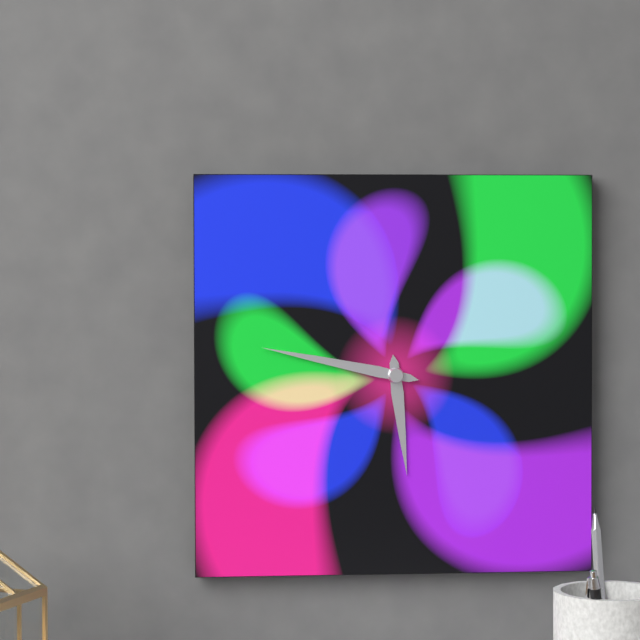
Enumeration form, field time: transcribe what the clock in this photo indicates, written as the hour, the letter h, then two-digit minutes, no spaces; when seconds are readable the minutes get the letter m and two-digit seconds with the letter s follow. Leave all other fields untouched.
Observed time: 5h47
